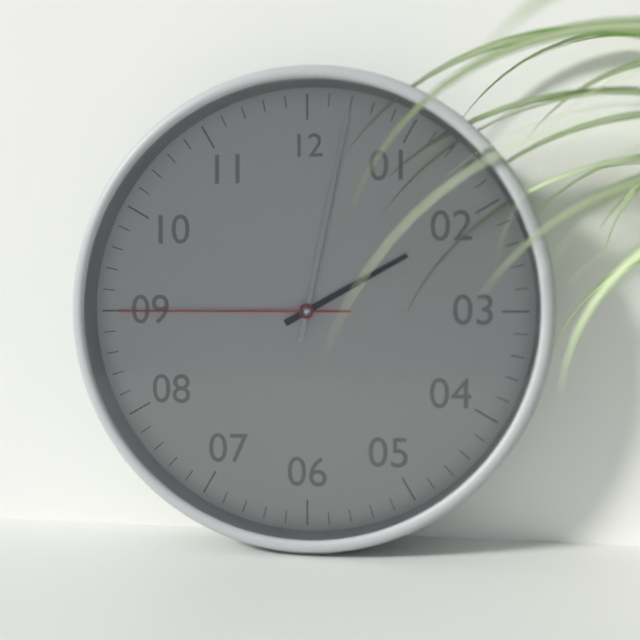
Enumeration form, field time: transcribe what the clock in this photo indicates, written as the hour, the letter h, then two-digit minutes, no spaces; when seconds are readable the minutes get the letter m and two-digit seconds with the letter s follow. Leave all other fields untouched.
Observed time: 2h02m45s
